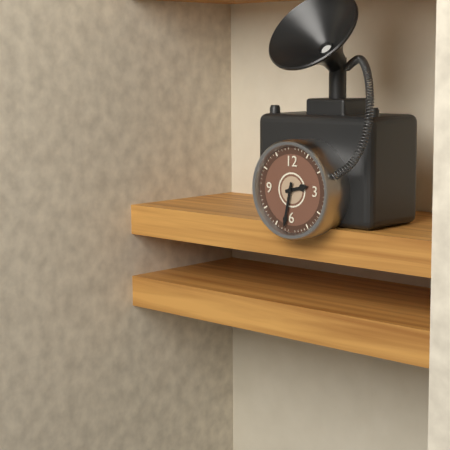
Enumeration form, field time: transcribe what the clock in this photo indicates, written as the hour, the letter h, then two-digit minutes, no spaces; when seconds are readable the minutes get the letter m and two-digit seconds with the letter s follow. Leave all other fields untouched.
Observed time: 2h32
